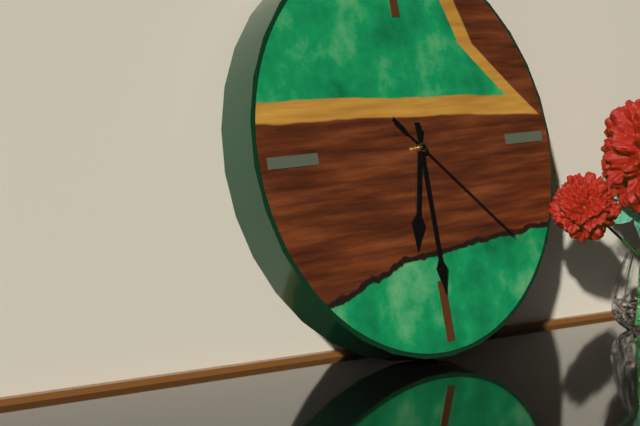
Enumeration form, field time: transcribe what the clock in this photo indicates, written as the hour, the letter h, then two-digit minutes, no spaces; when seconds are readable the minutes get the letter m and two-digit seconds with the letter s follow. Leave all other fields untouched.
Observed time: 6h30m22s
